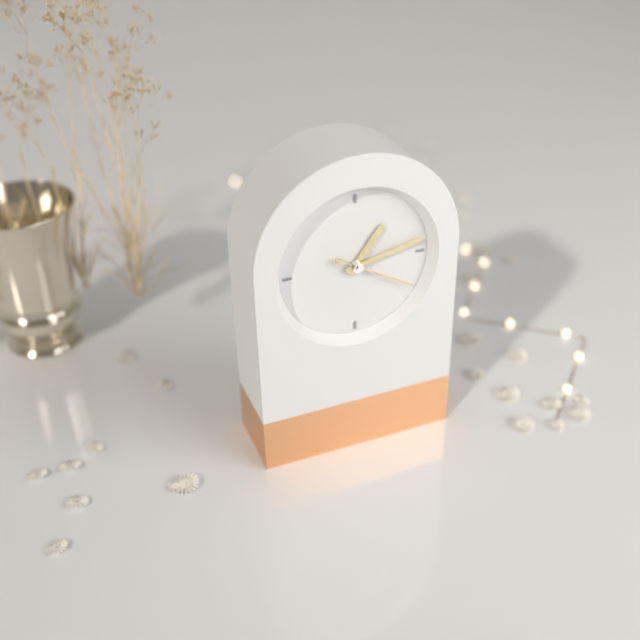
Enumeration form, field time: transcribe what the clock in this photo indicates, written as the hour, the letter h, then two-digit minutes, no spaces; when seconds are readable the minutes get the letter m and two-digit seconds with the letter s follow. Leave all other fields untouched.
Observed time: 1h13m20s
